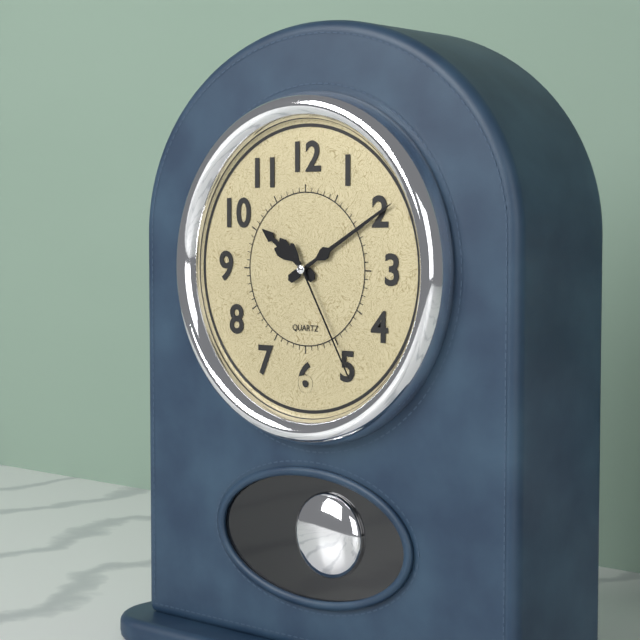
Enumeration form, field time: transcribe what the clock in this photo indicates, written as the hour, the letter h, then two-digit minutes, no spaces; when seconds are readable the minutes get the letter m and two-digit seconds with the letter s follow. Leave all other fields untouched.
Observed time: 10h10m25s
